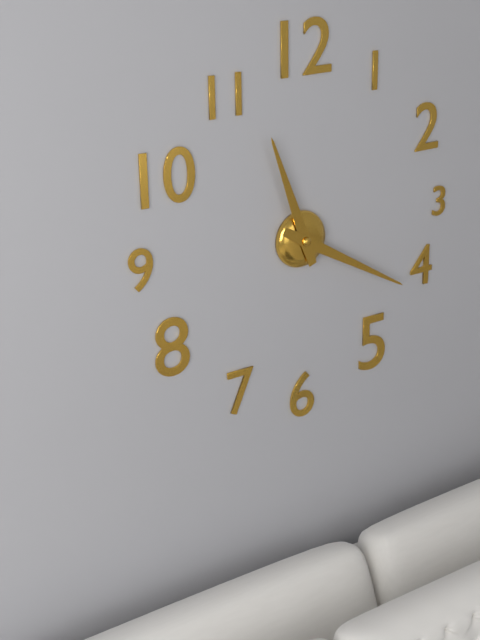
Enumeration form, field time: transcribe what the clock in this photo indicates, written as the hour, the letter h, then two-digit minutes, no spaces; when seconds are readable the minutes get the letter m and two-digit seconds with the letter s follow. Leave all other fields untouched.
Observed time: 11h20
